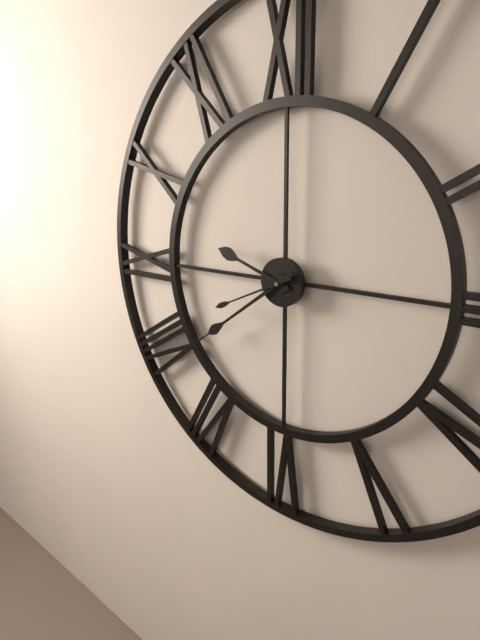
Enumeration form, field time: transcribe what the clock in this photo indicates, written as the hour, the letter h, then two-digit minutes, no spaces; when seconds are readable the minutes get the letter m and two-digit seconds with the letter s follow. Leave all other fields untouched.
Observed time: 9h39m41s
